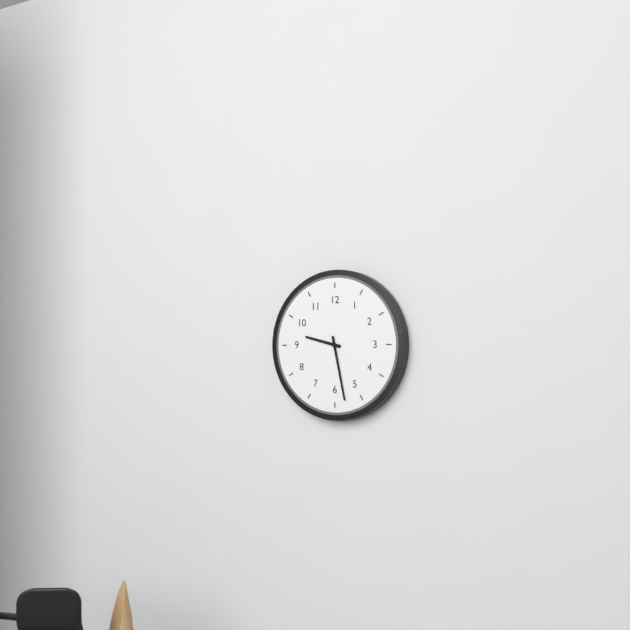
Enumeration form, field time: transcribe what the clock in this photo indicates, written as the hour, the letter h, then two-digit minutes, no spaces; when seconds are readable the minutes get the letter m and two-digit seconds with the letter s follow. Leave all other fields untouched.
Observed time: 9h28
